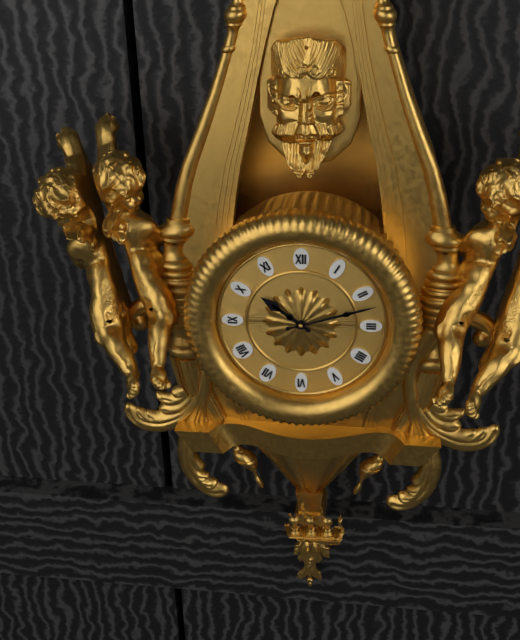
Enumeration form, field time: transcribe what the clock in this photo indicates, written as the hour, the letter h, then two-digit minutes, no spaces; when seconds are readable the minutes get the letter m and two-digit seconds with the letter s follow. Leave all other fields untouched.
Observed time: 10h12
